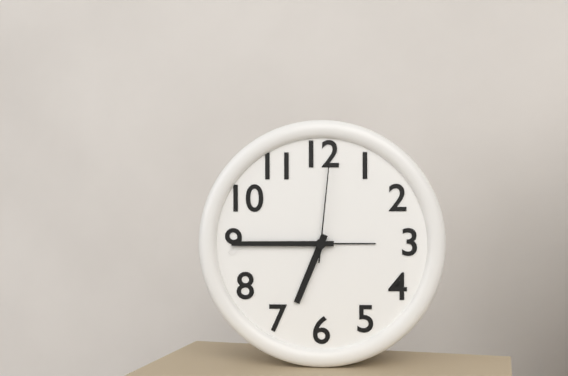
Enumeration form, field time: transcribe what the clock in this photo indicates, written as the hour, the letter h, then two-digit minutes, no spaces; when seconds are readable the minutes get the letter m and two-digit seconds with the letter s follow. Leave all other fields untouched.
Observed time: 6h45m01s
